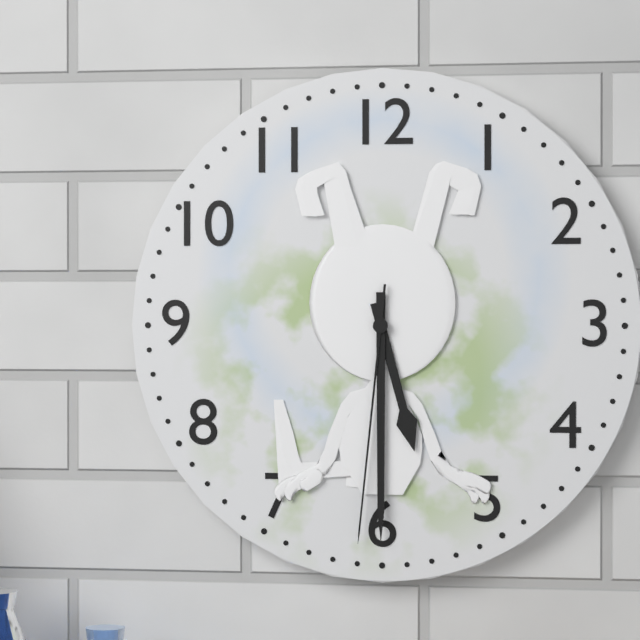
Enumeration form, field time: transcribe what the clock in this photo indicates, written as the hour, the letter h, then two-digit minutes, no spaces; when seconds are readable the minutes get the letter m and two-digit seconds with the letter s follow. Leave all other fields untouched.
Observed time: 5h30m31s
